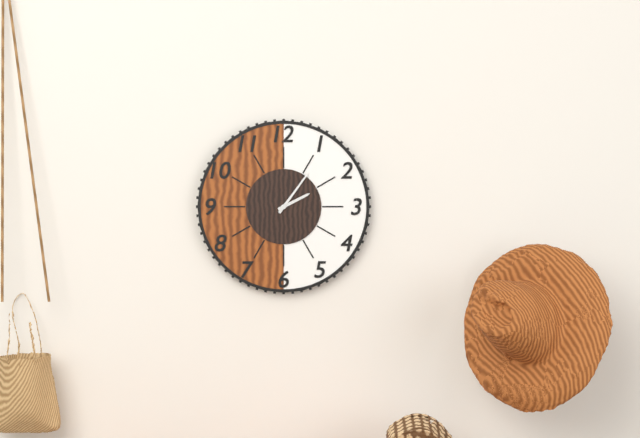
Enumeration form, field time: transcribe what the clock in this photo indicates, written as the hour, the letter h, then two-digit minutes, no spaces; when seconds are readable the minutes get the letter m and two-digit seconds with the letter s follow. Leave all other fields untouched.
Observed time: 2h06
